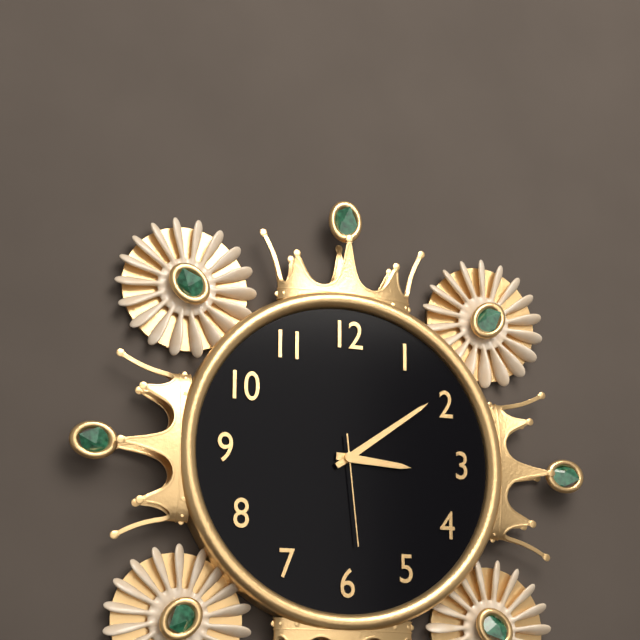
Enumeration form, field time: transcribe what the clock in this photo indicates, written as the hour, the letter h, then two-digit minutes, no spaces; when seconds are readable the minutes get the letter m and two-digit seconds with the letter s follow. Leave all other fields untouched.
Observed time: 3h09m29s
